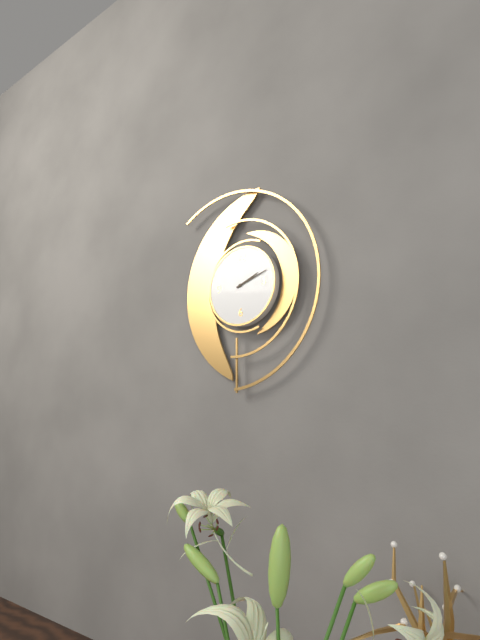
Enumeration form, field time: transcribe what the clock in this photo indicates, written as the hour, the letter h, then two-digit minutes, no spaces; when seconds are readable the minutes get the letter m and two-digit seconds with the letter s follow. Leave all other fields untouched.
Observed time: 2h12
